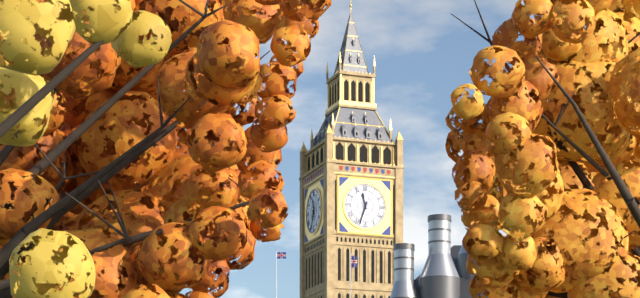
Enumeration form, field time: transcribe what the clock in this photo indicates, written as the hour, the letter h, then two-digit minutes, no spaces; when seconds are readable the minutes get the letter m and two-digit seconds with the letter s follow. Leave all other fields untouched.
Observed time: 11h33
